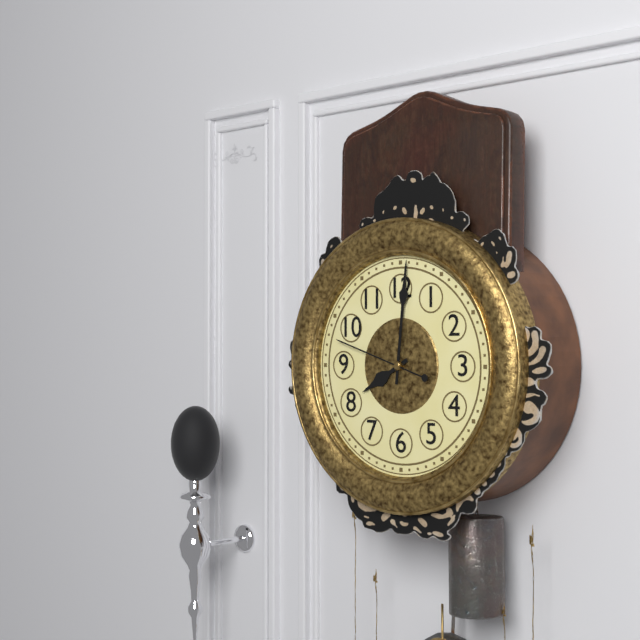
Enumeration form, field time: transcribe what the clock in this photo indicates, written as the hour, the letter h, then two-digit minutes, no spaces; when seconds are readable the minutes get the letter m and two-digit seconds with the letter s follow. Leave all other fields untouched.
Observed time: 8h01m48s
